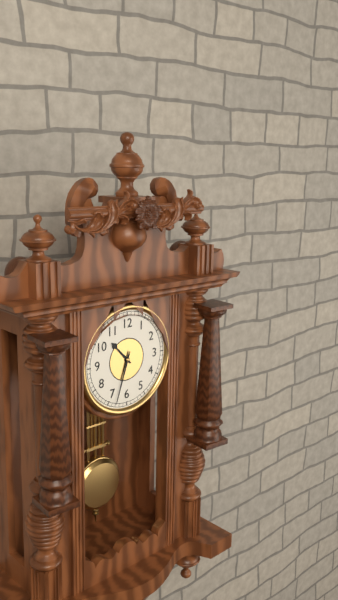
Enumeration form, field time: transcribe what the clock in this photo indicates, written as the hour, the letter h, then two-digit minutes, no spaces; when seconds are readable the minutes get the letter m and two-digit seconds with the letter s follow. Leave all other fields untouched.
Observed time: 10h33
